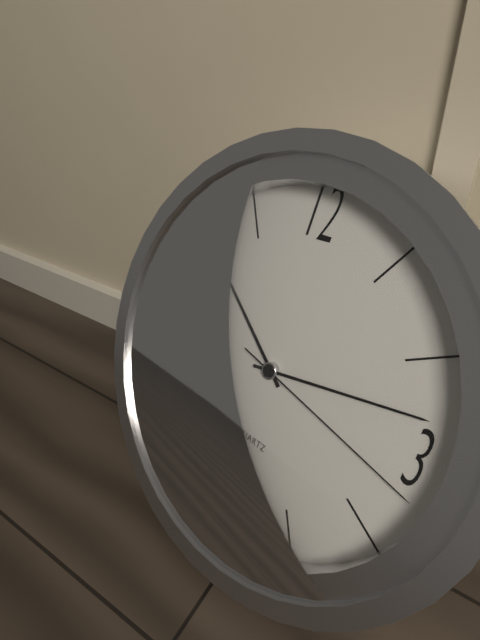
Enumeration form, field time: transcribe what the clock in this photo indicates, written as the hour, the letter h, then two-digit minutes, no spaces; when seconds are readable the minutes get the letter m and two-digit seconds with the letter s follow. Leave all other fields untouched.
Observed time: 10h13m17s
